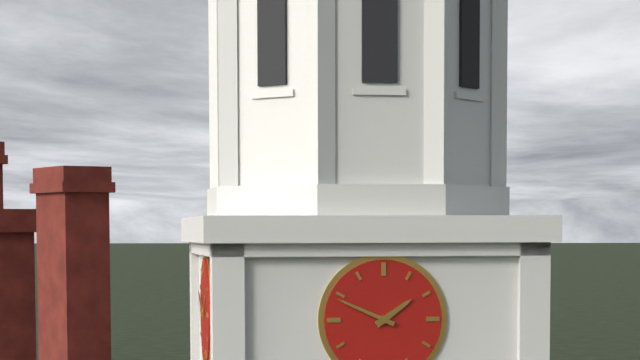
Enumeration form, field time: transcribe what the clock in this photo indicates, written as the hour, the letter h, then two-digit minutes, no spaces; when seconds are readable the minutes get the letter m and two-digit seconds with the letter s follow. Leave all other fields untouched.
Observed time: 1h49
